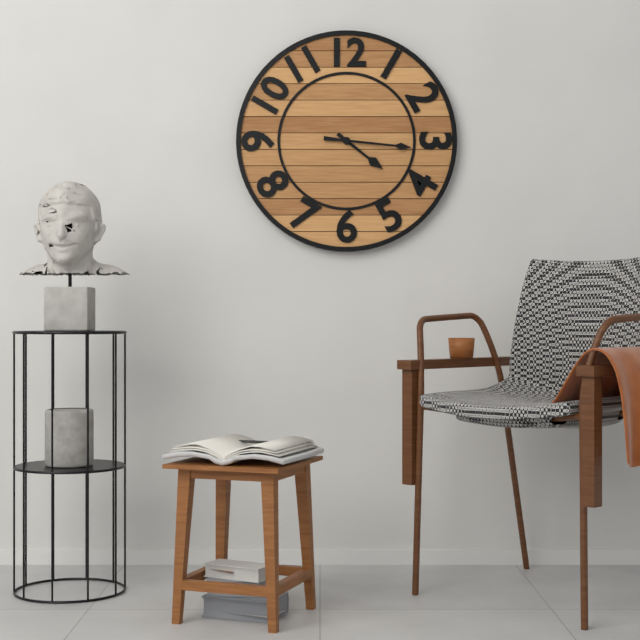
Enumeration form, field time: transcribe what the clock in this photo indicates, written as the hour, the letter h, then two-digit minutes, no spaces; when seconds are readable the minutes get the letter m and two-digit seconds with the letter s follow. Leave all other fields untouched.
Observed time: 4h16
